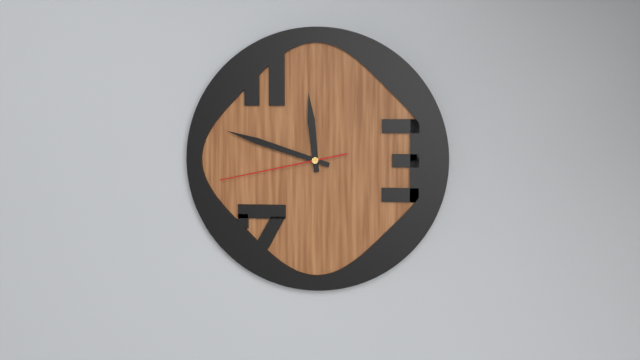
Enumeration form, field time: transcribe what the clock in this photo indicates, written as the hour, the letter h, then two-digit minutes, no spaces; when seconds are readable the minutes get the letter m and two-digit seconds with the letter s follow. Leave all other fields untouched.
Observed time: 11h48m43s
